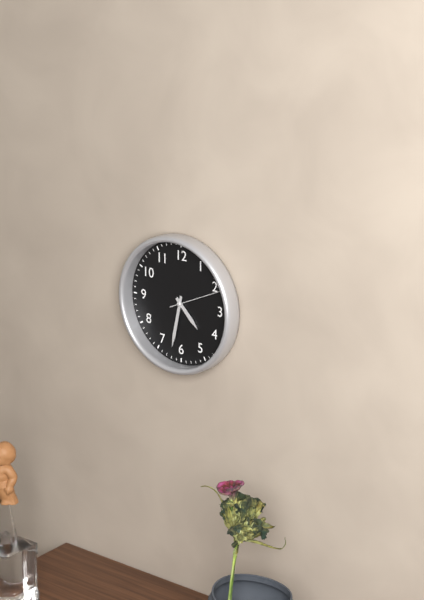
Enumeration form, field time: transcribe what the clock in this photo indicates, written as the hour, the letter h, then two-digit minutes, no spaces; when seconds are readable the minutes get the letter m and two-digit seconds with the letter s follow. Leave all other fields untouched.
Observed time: 4h32
